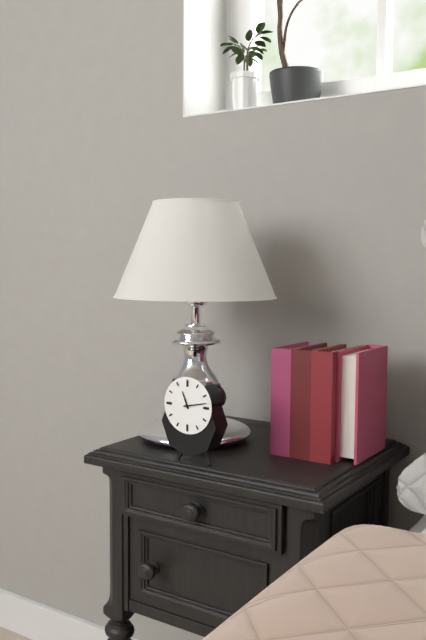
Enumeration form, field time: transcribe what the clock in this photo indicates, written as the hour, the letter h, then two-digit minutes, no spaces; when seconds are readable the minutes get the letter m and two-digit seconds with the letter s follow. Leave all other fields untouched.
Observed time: 11h13
